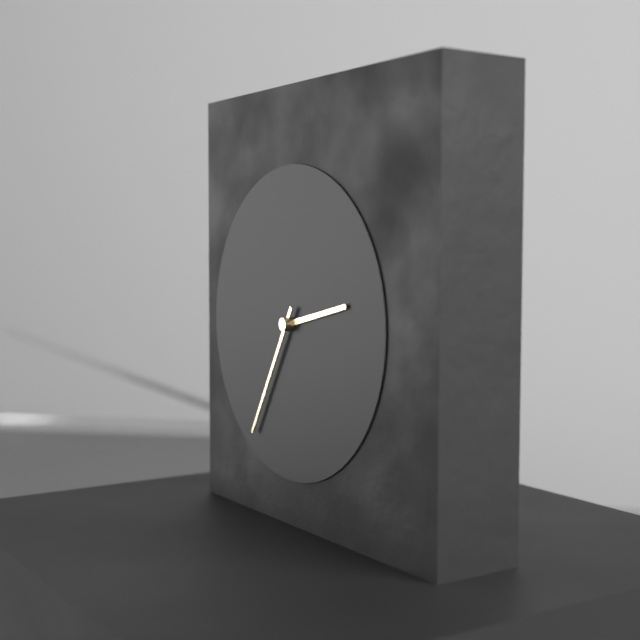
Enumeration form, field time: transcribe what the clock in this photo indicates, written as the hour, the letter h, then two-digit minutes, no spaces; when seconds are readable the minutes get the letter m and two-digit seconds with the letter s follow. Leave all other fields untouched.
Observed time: 2h35
